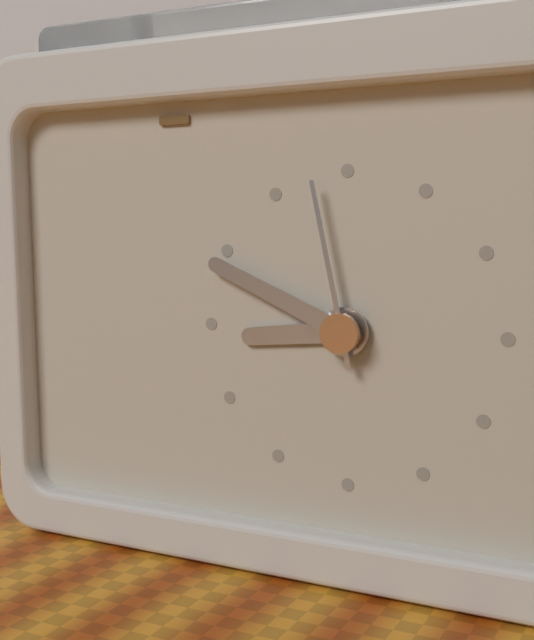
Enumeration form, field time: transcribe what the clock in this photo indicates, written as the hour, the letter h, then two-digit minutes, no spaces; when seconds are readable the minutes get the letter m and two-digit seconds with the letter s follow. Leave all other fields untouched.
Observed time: 8h49m58s
